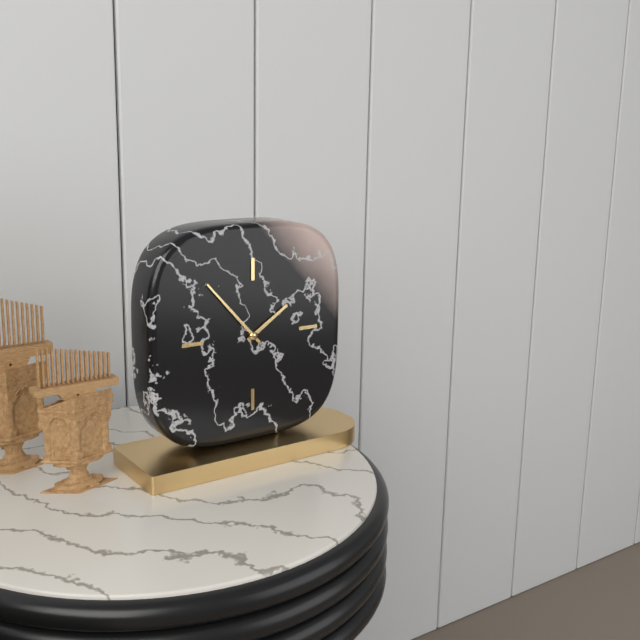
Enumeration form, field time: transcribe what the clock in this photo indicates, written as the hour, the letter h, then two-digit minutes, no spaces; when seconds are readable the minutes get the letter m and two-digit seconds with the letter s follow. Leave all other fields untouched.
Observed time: 1h53
